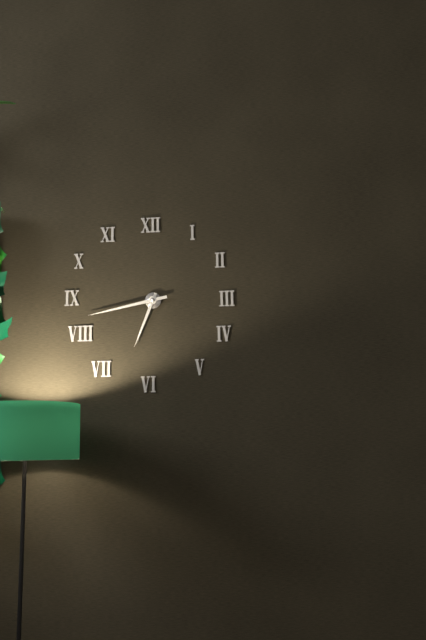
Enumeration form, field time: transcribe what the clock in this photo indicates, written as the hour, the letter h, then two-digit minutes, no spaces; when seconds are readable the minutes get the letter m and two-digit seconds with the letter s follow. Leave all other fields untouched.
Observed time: 6h43
